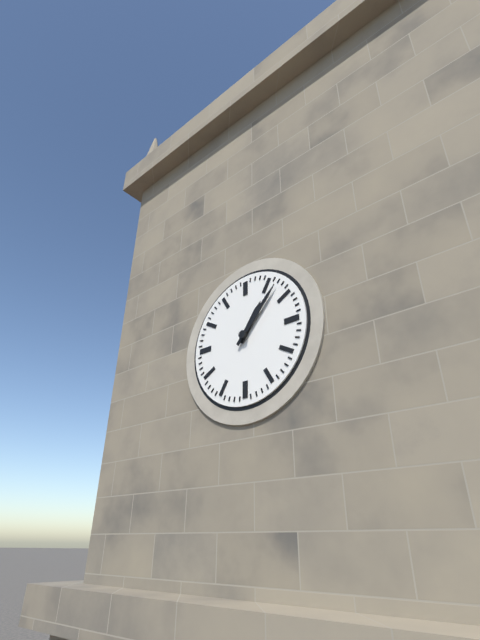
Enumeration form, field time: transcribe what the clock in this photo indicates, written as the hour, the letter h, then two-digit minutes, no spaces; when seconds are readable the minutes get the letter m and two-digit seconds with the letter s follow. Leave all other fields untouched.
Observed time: 1h07
